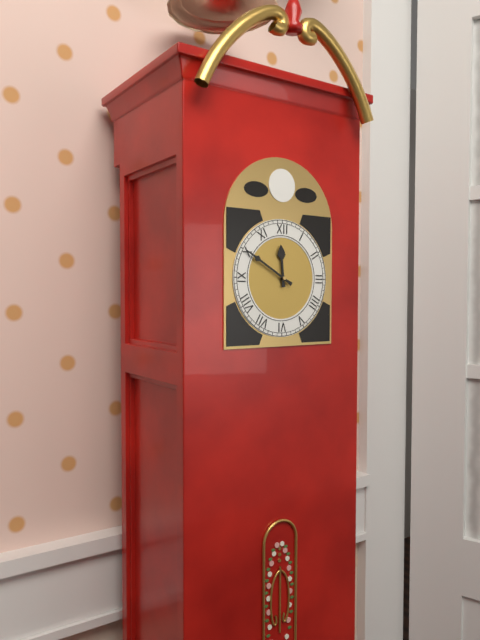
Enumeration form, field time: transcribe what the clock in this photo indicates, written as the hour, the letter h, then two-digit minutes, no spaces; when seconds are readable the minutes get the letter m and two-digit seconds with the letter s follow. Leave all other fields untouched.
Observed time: 11h50
